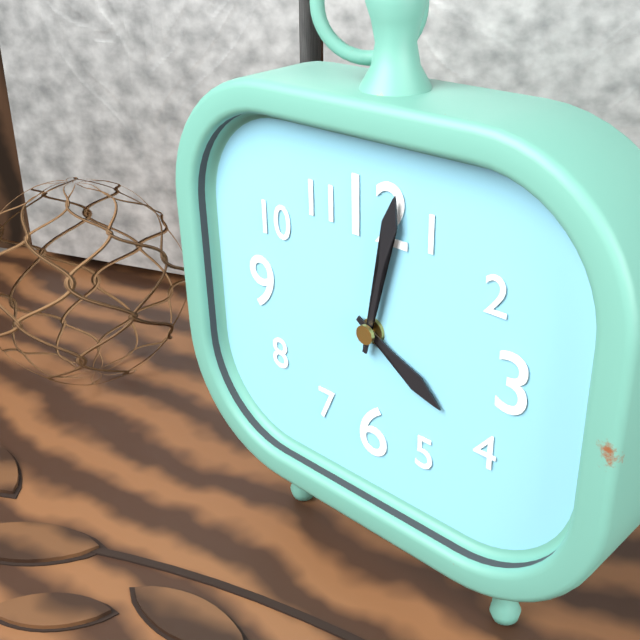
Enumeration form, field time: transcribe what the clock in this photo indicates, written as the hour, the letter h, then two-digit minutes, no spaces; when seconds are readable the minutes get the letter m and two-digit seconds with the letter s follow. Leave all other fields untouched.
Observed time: 4h02
